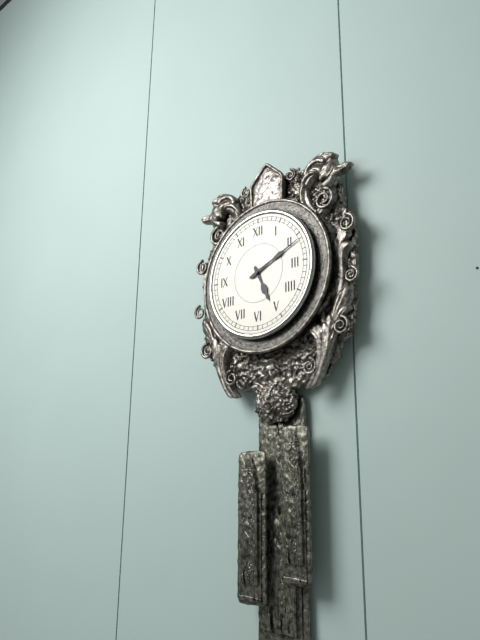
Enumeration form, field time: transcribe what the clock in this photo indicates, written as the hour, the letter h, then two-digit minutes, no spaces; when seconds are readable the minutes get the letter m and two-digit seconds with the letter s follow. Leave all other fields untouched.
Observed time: 5h11
